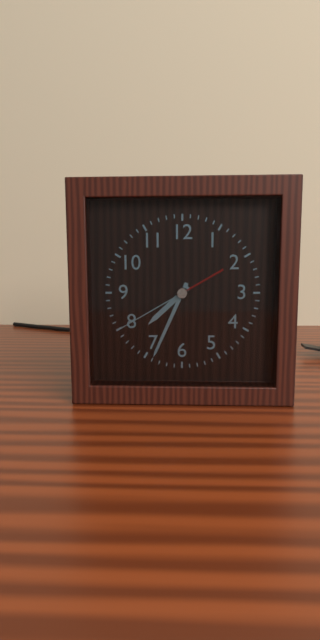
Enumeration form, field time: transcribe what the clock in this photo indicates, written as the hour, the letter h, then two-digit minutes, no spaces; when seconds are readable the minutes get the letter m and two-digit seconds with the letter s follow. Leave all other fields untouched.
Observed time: 7h34m40s
